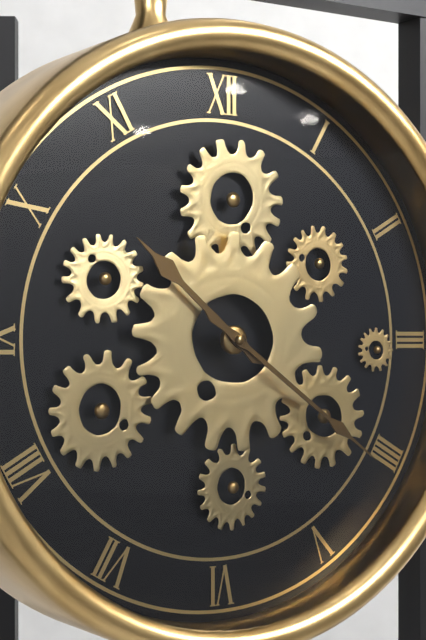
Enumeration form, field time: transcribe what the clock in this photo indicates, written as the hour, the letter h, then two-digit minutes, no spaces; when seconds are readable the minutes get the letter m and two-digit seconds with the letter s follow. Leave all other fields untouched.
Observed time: 10h21
